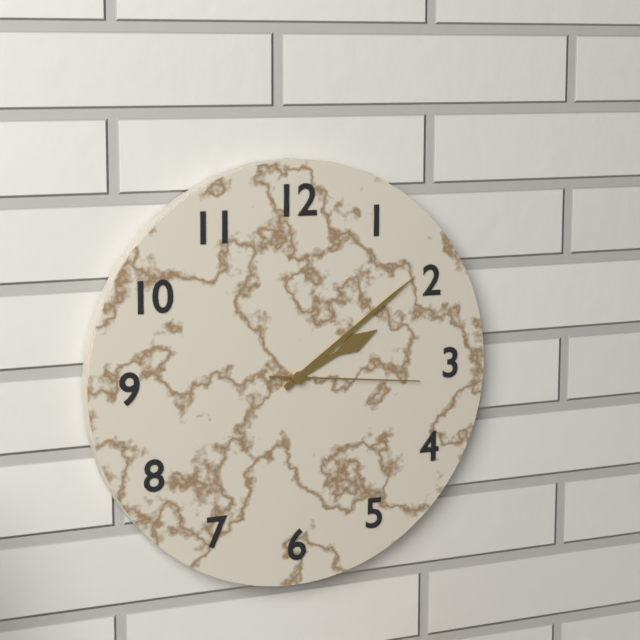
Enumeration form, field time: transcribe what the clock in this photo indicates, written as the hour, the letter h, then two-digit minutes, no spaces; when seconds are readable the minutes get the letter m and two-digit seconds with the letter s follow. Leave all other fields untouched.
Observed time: 2h09m16s
